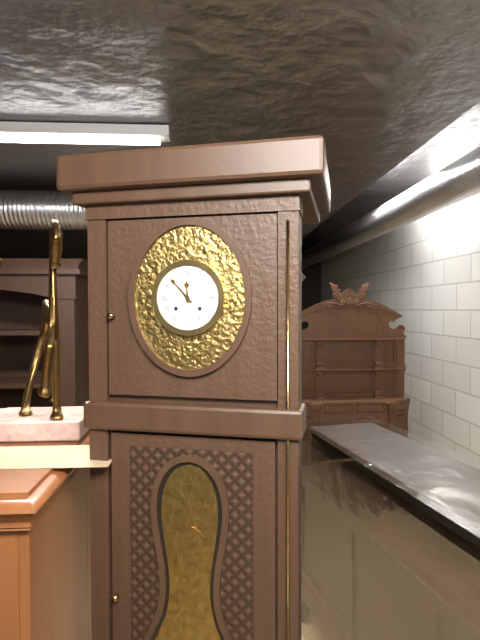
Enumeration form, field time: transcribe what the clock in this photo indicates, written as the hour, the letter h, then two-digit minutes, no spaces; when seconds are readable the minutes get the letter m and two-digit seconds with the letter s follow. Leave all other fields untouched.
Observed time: 11h53
